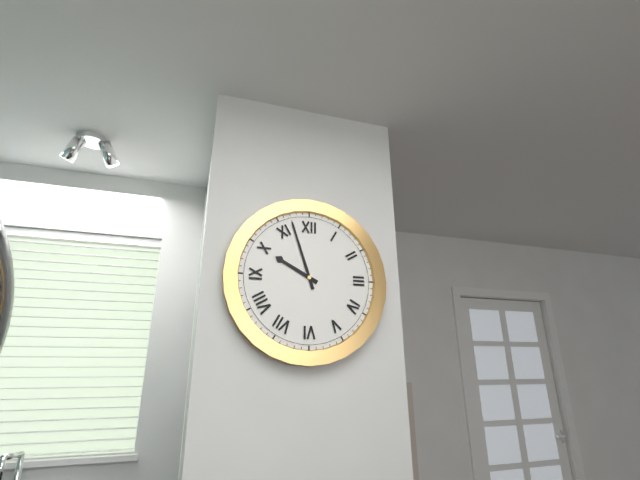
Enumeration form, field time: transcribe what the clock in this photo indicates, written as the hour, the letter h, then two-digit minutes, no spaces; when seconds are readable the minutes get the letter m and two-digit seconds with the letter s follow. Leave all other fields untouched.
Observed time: 9h57
